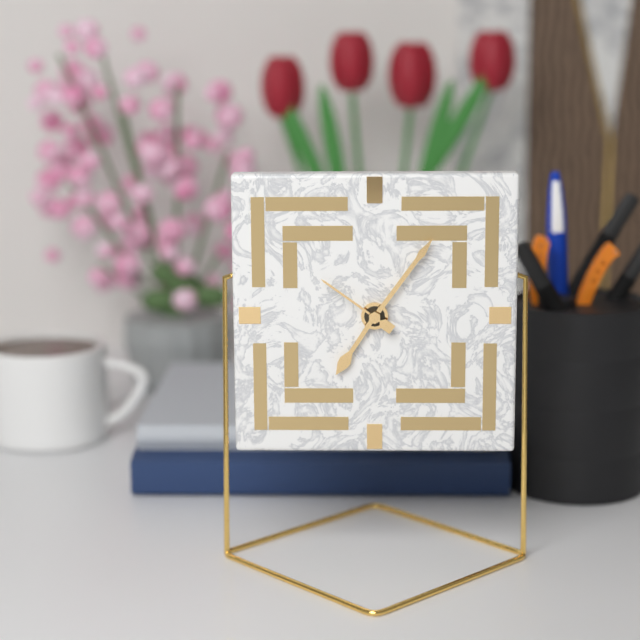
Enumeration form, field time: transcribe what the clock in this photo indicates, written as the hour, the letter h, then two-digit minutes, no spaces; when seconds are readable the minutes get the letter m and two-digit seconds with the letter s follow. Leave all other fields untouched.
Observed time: 7h06m51s
